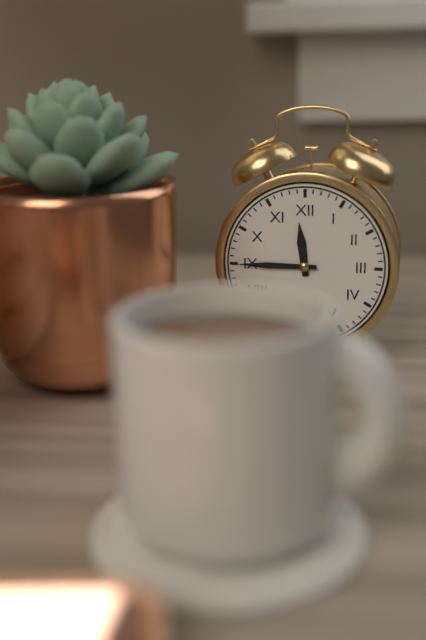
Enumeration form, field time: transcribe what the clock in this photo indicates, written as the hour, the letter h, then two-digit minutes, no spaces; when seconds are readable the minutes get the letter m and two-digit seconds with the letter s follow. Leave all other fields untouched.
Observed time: 11h45
